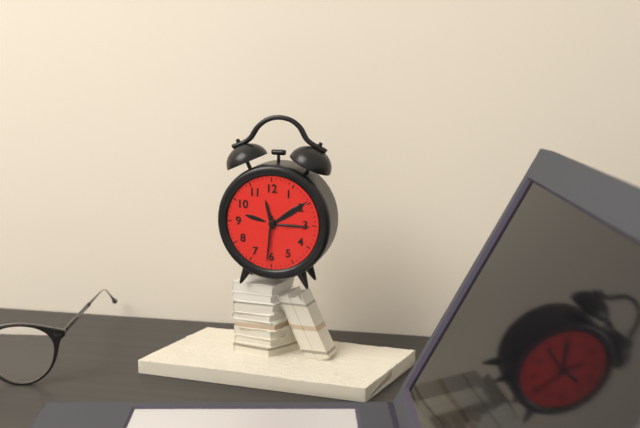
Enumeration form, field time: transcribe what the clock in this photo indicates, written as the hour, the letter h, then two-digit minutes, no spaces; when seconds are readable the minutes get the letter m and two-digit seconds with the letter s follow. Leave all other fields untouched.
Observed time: 11h31
